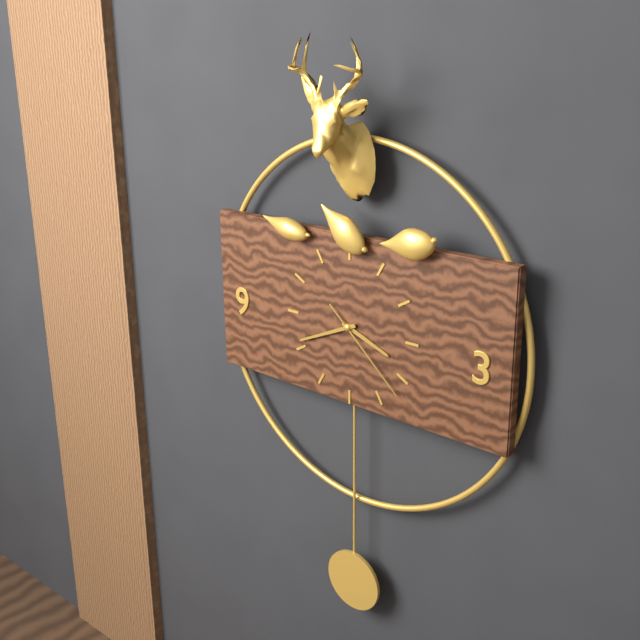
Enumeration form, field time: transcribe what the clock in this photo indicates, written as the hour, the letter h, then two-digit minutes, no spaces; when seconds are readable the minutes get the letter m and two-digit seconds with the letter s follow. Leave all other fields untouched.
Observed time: 3h41m22s
